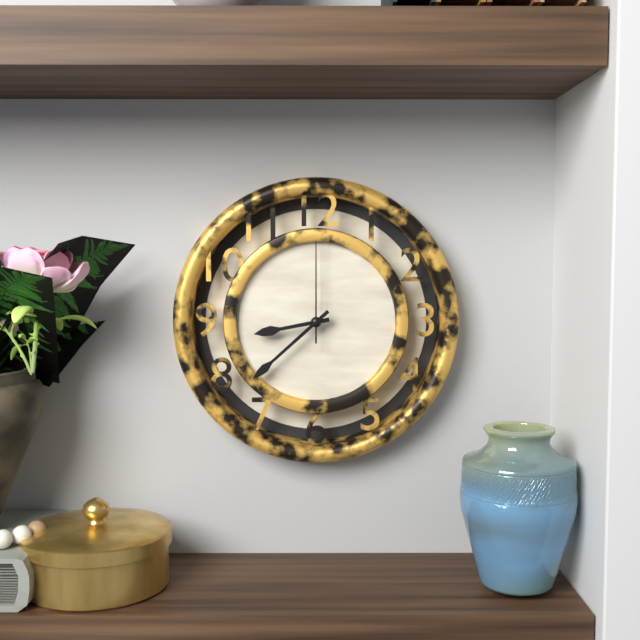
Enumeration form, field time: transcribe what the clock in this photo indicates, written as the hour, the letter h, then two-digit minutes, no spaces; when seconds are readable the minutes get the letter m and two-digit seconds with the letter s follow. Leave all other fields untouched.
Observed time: 8h38m00s
